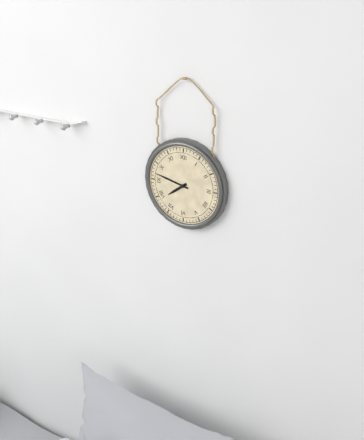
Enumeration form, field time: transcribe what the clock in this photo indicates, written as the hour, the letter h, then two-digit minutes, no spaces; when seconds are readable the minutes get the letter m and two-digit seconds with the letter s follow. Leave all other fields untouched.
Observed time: 7h47
